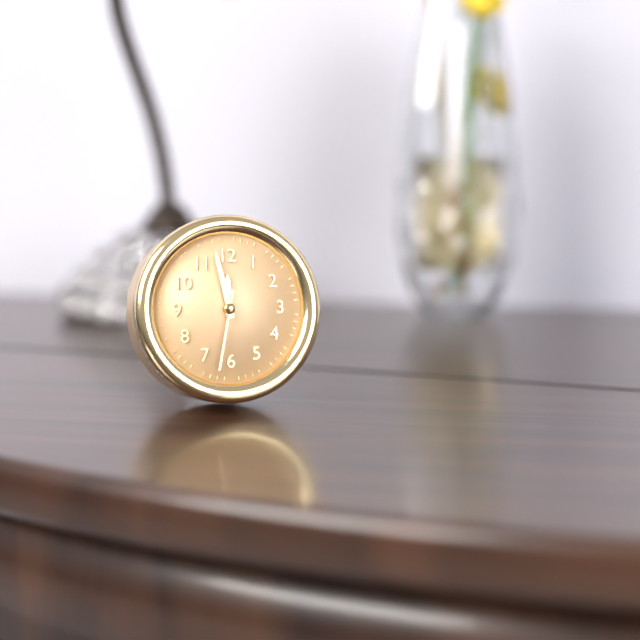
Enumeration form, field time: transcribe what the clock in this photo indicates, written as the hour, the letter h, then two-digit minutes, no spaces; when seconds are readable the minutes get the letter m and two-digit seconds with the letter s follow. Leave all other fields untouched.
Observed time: 11h58m32s
